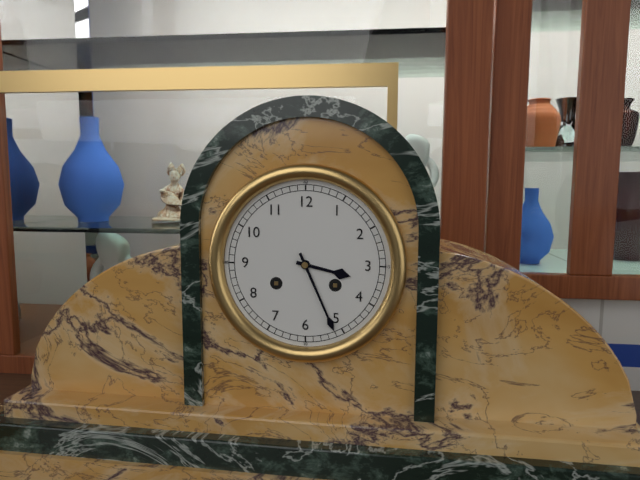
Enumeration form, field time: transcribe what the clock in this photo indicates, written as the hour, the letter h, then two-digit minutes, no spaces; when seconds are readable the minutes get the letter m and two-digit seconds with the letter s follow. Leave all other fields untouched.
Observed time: 3h26
